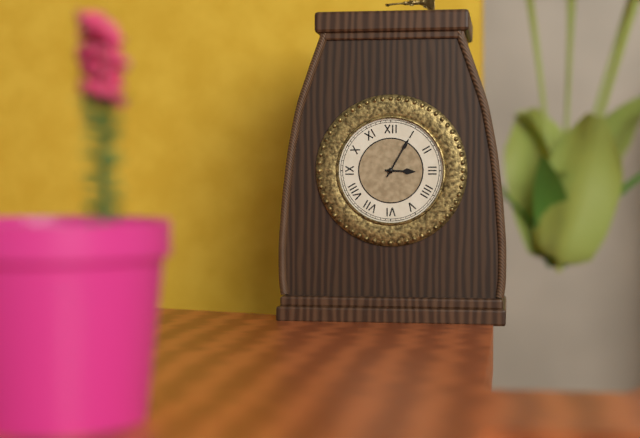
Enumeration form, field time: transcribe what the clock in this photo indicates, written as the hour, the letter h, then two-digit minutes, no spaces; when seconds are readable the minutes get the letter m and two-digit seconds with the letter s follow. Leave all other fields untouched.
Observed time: 3h05
